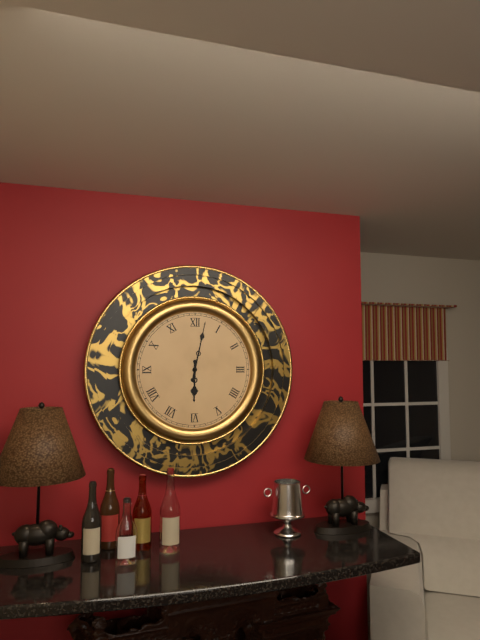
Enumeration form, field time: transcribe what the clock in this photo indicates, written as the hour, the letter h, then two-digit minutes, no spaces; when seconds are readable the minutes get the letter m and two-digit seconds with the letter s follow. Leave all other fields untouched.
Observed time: 6h02
